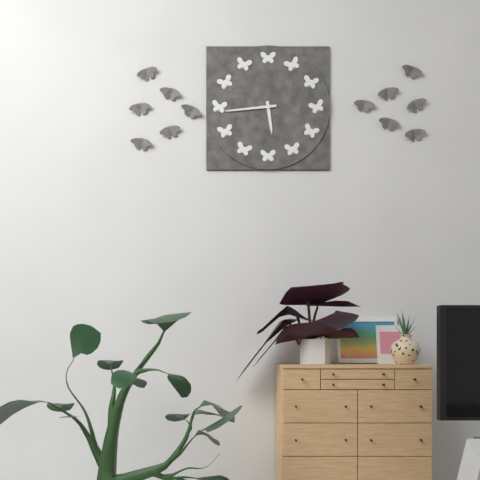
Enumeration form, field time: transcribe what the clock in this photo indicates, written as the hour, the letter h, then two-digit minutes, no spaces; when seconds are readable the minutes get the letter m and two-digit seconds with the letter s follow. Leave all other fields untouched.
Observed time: 5h44
